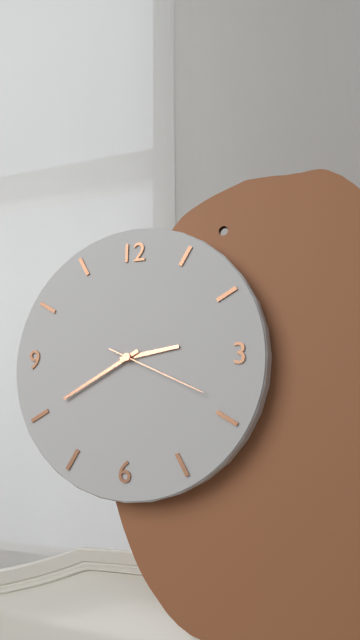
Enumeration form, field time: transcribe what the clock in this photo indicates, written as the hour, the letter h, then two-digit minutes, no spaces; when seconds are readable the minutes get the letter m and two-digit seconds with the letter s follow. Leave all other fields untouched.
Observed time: 2h40m19s
